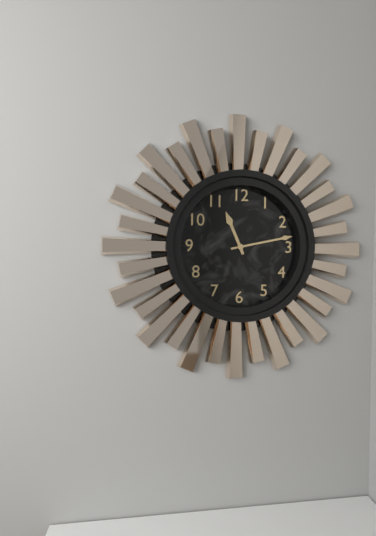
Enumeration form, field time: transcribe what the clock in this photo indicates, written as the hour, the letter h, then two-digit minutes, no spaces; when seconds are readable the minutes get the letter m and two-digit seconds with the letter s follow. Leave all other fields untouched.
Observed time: 11h13
